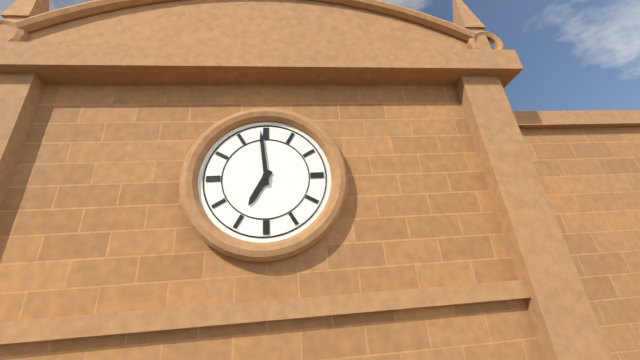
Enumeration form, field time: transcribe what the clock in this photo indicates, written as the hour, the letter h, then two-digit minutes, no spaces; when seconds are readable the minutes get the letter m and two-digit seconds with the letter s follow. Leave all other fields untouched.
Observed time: 6h59
